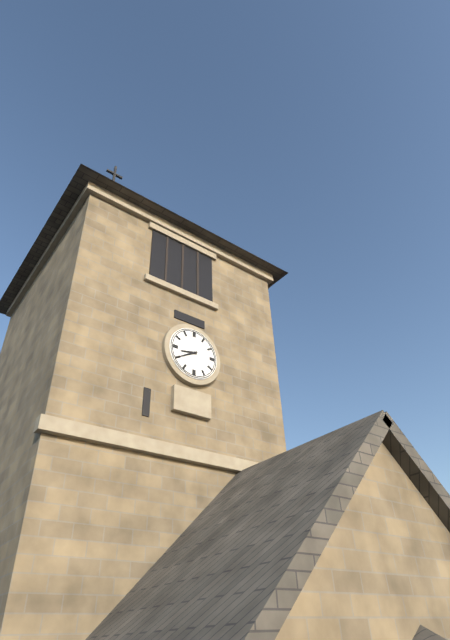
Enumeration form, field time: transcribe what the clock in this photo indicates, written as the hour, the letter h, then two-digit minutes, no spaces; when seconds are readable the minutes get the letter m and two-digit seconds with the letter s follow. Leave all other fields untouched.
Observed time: 8h40
